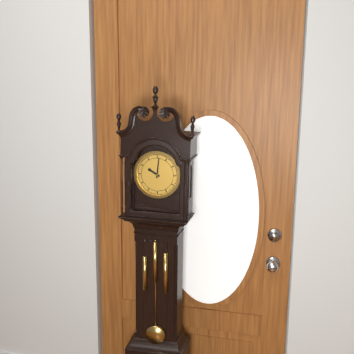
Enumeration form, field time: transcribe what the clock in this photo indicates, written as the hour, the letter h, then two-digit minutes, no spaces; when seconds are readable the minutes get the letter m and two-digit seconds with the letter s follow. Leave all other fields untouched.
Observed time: 10h01
